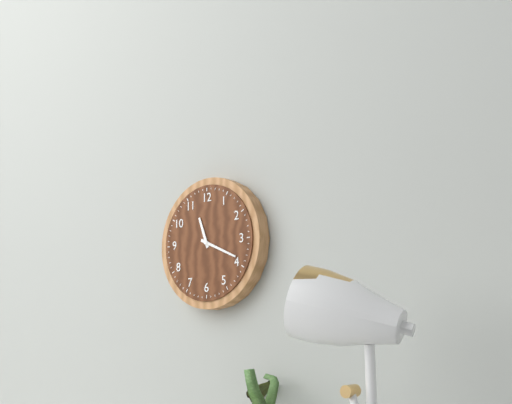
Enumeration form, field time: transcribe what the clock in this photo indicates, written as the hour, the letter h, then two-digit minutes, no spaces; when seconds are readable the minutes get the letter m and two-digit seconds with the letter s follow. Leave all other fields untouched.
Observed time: 11h19
